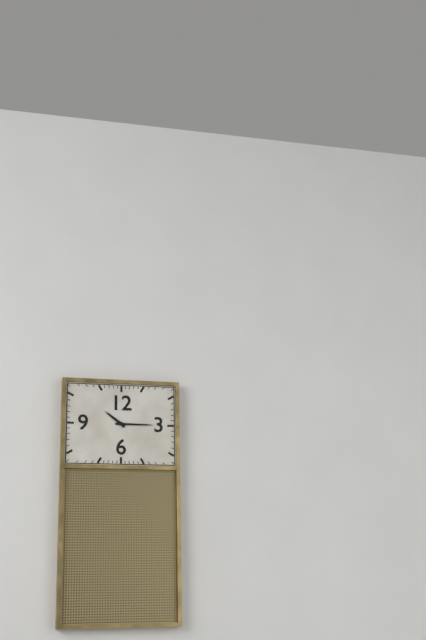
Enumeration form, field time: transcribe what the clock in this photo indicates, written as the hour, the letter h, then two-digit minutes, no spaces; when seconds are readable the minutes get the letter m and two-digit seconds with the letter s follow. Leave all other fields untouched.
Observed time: 10h15
